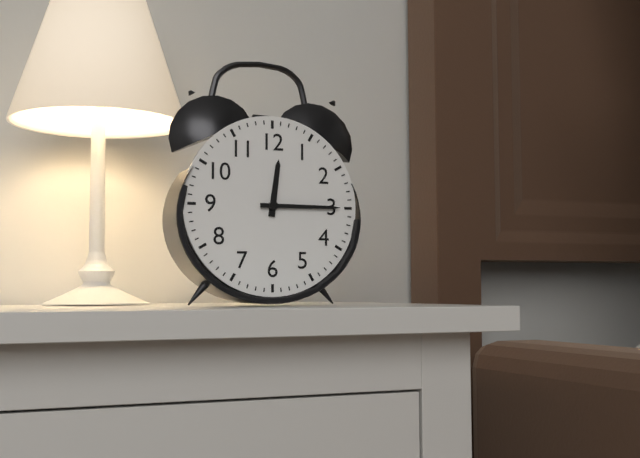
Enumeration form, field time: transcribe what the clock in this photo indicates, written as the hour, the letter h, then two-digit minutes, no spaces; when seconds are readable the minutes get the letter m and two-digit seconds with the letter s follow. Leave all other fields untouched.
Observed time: 12h15
